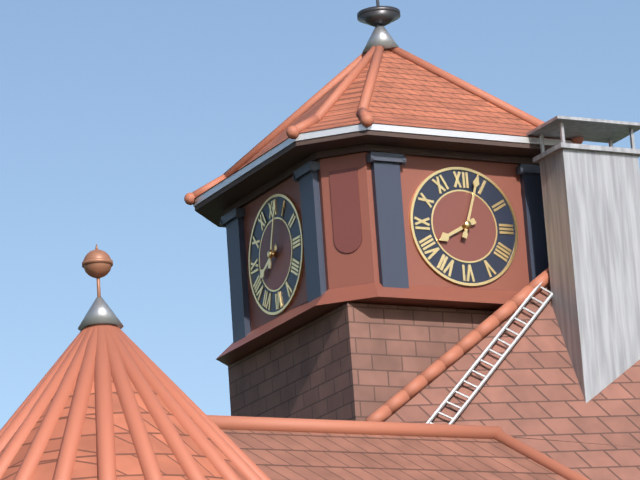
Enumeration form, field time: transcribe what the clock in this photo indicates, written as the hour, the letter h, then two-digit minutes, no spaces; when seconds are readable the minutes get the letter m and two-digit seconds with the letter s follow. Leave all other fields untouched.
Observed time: 8h03
